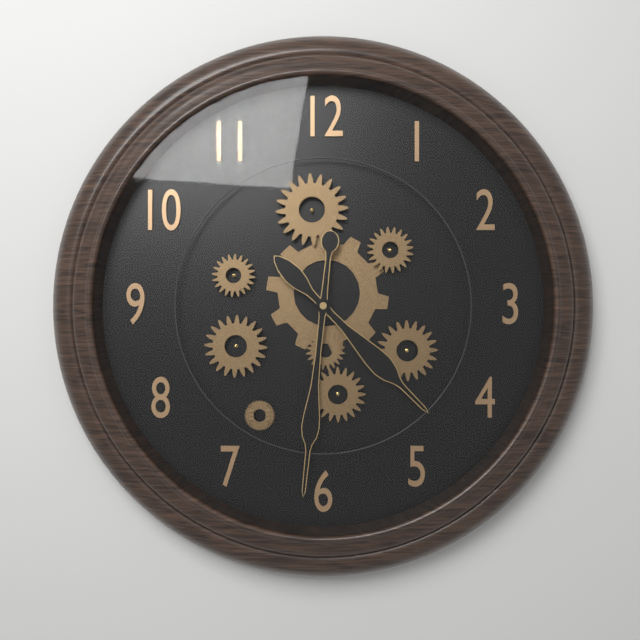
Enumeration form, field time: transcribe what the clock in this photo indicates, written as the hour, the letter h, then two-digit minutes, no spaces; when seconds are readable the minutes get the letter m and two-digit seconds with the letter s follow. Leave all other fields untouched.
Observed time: 4h31
